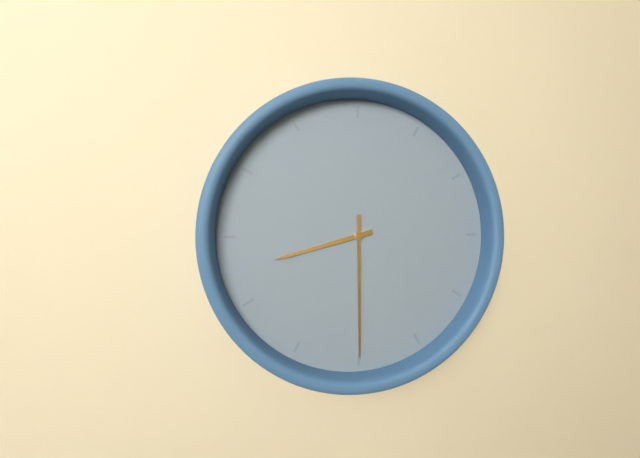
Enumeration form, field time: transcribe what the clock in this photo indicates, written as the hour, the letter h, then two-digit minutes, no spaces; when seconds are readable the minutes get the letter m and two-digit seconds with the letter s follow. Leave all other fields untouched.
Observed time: 8h30
